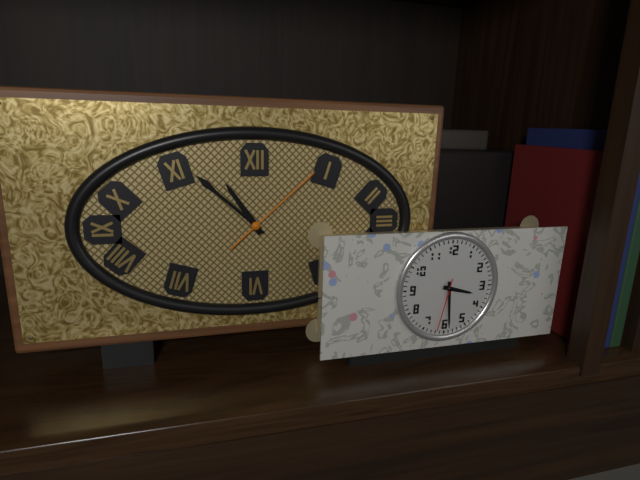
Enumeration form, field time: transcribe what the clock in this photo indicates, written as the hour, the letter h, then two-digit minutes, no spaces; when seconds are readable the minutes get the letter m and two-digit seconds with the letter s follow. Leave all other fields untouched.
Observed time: 10h52m08s
